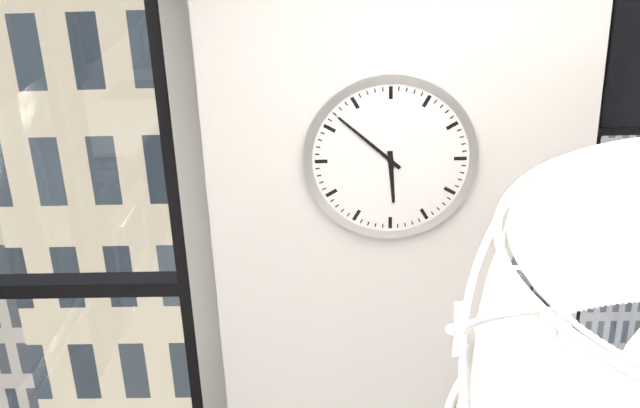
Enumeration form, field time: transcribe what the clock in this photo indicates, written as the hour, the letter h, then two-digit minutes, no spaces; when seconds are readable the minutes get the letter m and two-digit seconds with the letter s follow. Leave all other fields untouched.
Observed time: 5h52
